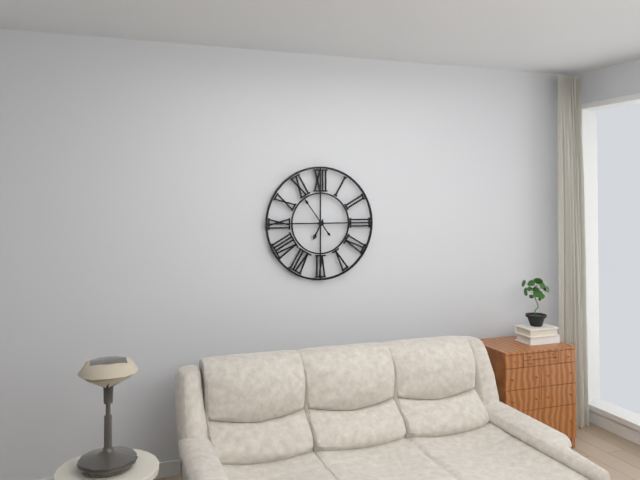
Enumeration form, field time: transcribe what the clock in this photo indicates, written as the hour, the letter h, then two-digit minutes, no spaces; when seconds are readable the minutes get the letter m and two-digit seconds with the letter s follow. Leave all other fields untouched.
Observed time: 6h54
